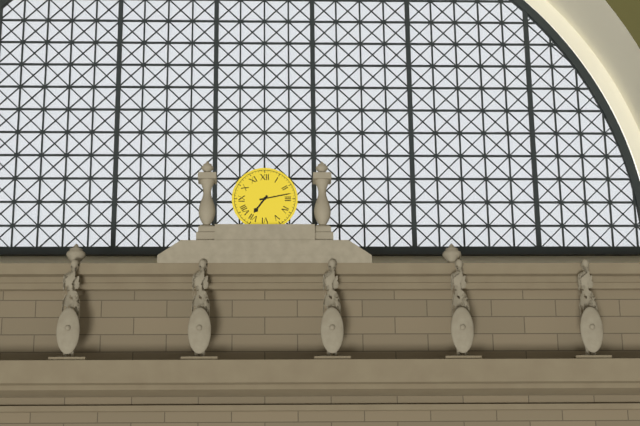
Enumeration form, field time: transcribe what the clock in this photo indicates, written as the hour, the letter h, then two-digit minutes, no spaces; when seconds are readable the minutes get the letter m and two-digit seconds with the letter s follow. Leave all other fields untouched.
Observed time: 7h13
